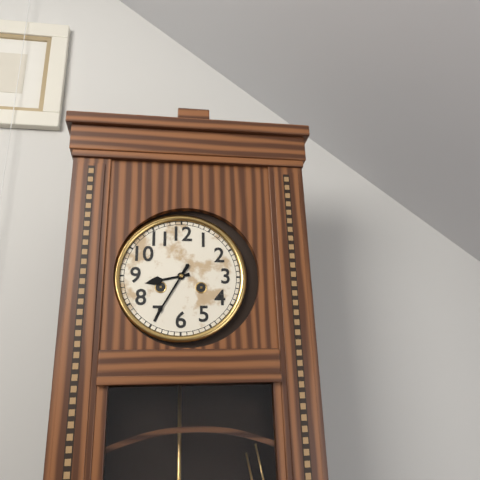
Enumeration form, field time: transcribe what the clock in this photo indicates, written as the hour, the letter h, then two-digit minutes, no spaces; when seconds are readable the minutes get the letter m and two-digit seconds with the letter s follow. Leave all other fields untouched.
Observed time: 8h35
